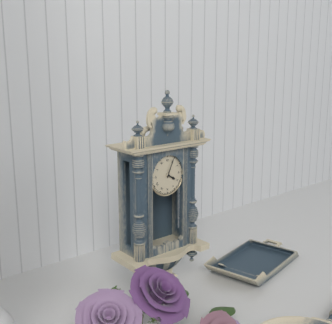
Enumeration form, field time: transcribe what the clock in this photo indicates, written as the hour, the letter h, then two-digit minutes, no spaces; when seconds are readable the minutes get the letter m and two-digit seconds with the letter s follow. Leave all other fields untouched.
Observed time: 4h04
